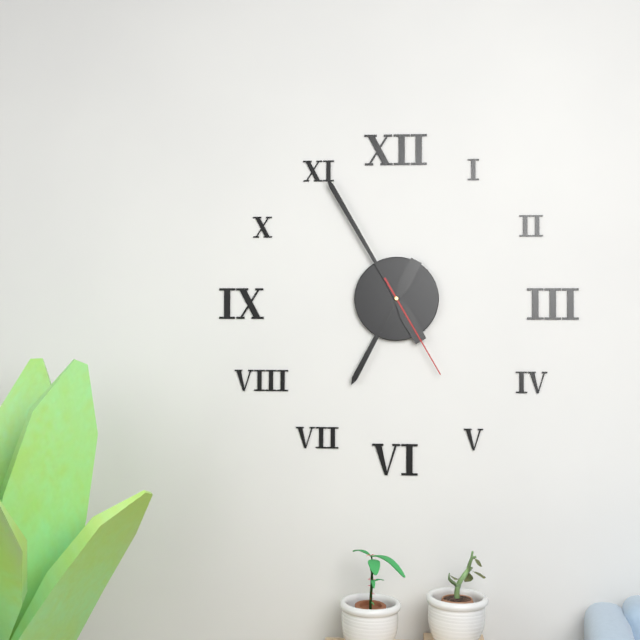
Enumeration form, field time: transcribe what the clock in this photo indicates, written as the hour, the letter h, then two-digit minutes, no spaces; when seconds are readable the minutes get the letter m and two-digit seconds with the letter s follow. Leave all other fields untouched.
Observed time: 6h55m25s
